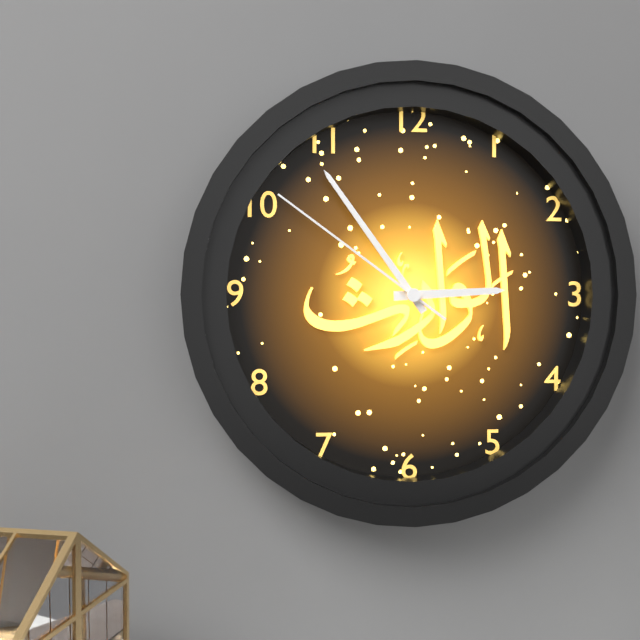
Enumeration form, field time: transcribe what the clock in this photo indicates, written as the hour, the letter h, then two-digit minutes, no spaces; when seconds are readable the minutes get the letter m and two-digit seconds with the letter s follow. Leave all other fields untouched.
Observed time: 2h54m51s
